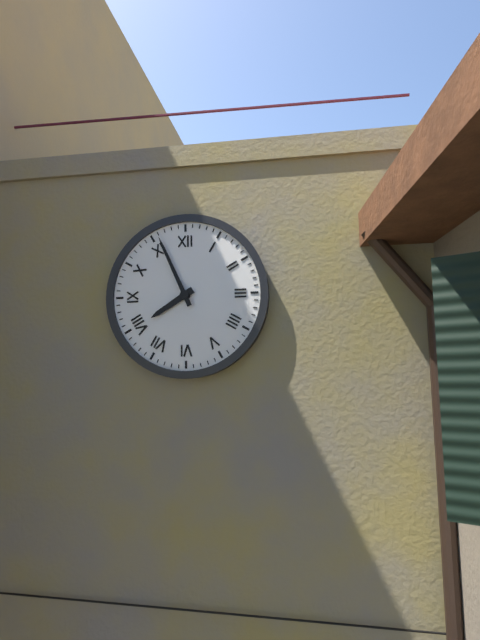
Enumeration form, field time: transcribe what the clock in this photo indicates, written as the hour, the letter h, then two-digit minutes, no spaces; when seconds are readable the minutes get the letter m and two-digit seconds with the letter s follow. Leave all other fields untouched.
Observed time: 7h56
